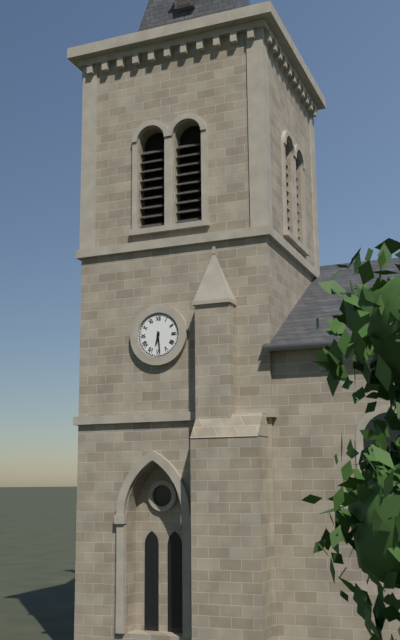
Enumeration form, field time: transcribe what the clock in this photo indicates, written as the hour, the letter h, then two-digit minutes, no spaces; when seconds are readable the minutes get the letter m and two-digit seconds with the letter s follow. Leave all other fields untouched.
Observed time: 6h29
